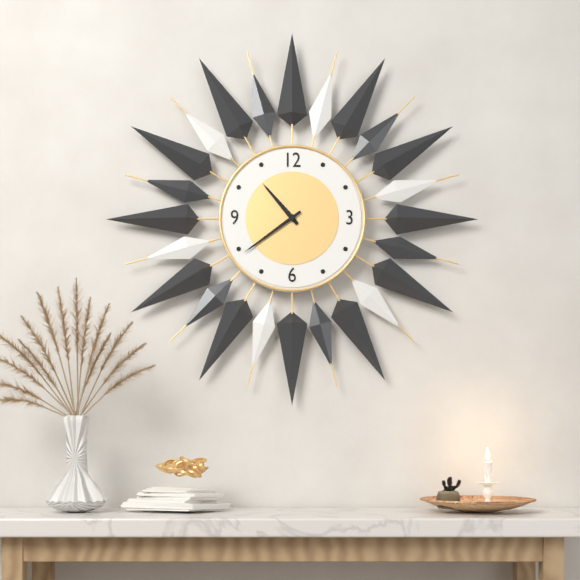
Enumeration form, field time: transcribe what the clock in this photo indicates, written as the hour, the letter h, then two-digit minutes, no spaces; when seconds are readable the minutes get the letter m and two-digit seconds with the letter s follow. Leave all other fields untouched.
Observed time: 10h39
